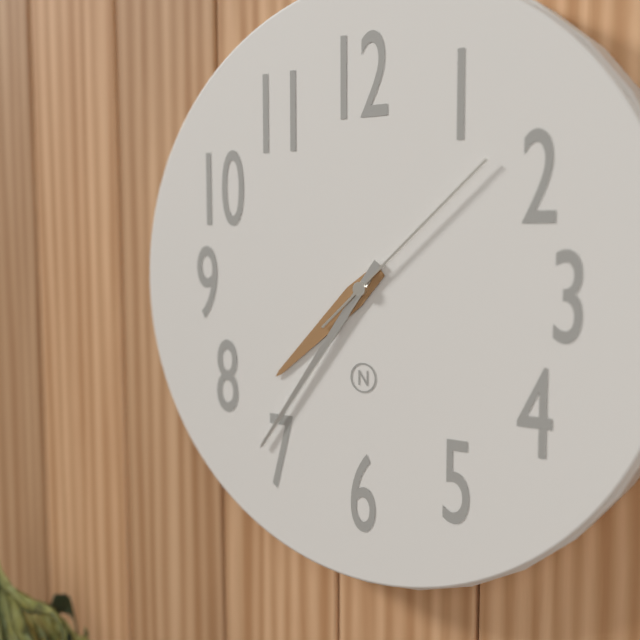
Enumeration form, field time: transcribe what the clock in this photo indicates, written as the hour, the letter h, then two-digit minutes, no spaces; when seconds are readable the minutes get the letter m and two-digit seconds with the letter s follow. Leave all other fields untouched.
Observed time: 7h36m08s
